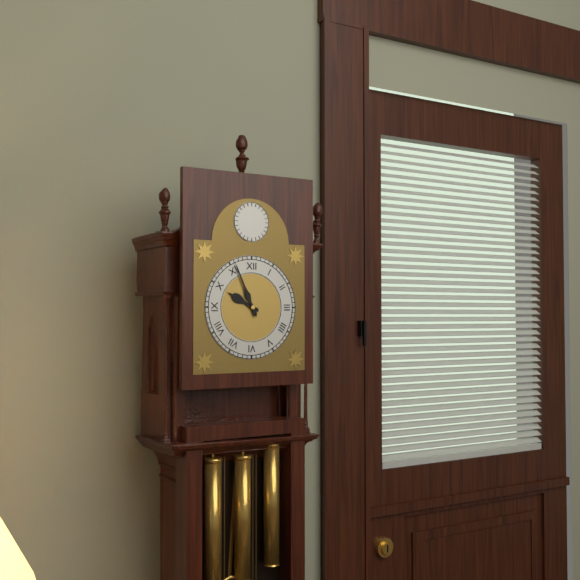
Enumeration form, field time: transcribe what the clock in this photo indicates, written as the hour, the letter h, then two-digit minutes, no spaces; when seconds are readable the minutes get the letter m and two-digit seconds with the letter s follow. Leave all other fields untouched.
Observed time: 9h56
